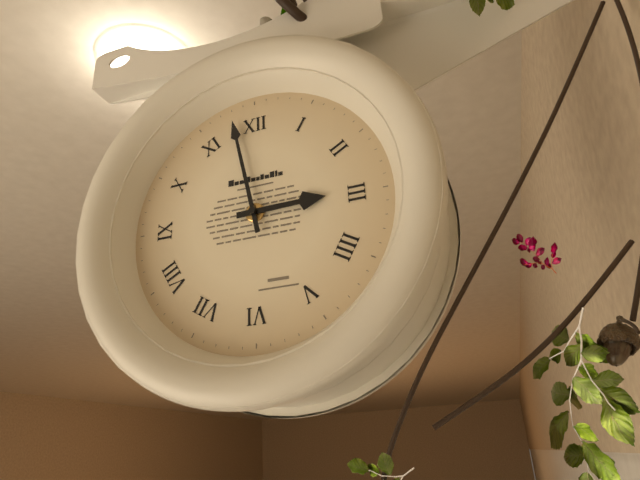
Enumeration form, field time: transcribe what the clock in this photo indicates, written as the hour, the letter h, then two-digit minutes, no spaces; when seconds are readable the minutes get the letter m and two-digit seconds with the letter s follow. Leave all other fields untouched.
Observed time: 2h58
